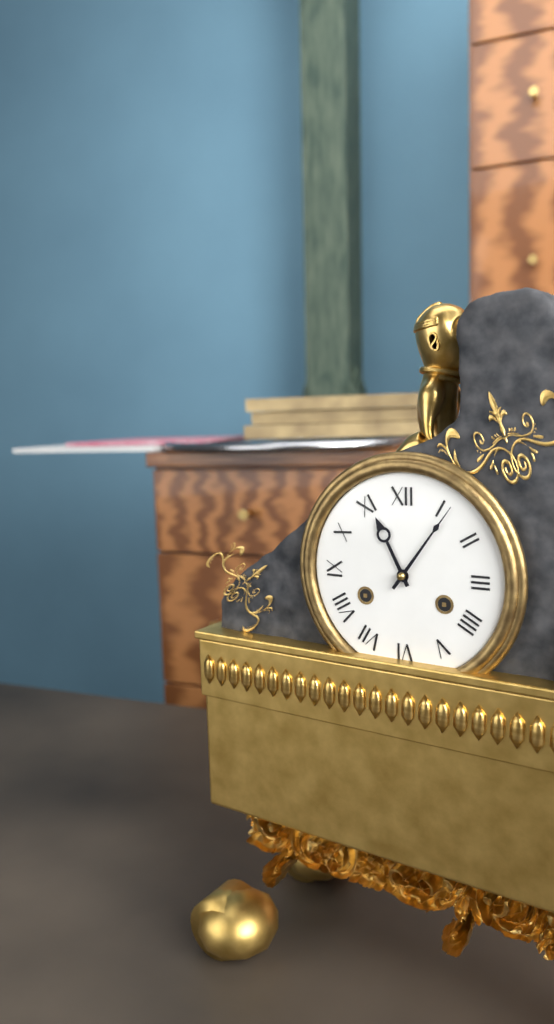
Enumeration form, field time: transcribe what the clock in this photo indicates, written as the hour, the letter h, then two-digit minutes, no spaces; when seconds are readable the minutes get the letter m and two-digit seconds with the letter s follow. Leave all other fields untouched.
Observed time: 11h06
